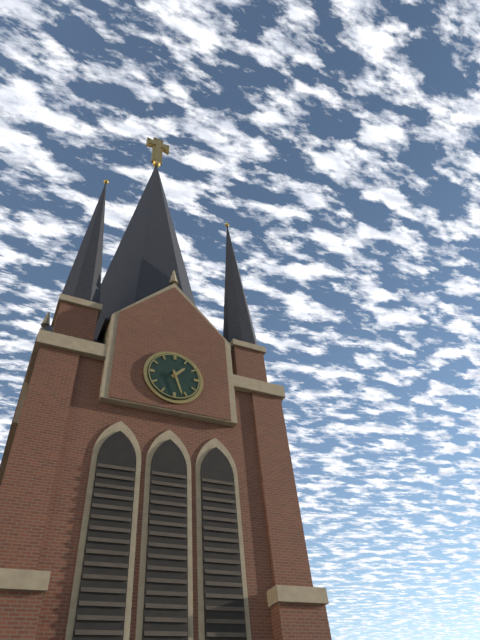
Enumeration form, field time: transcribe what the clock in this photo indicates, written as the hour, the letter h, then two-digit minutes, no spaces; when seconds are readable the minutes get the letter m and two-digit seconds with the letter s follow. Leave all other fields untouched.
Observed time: 1h27
